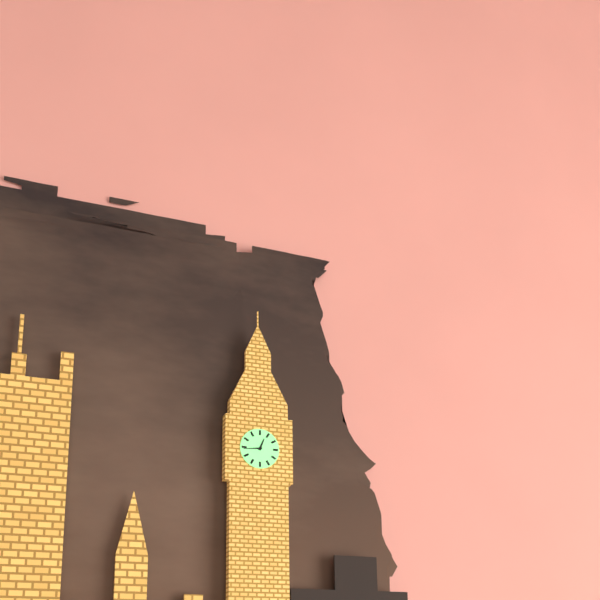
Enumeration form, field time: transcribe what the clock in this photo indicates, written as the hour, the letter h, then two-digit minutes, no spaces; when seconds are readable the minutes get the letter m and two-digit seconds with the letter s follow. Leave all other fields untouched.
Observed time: 12h44
